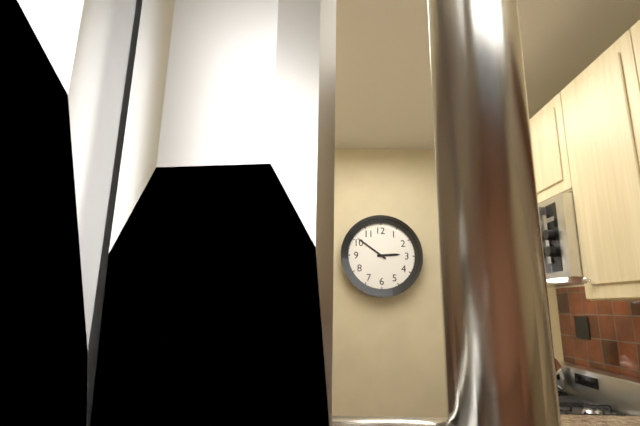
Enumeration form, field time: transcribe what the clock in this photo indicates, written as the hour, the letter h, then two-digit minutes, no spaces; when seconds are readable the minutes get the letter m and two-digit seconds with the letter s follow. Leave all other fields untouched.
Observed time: 2h51
